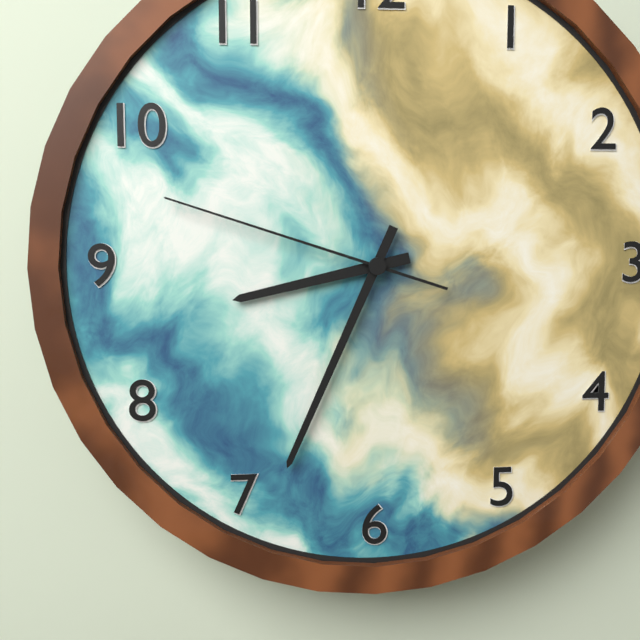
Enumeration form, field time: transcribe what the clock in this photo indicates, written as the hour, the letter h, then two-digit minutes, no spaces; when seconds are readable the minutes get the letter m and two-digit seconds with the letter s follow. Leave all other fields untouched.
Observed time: 8h34m48s
